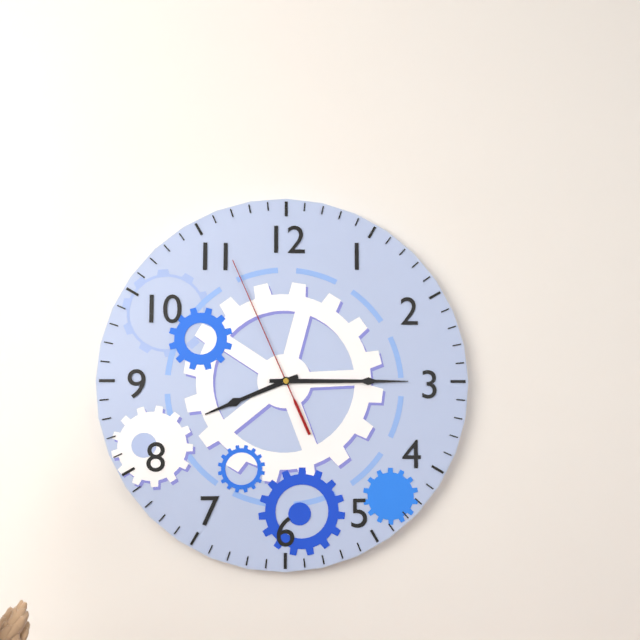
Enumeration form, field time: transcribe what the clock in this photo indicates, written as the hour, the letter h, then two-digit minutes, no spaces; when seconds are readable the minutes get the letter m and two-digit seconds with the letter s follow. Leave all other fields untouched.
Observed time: 8h15m56s
